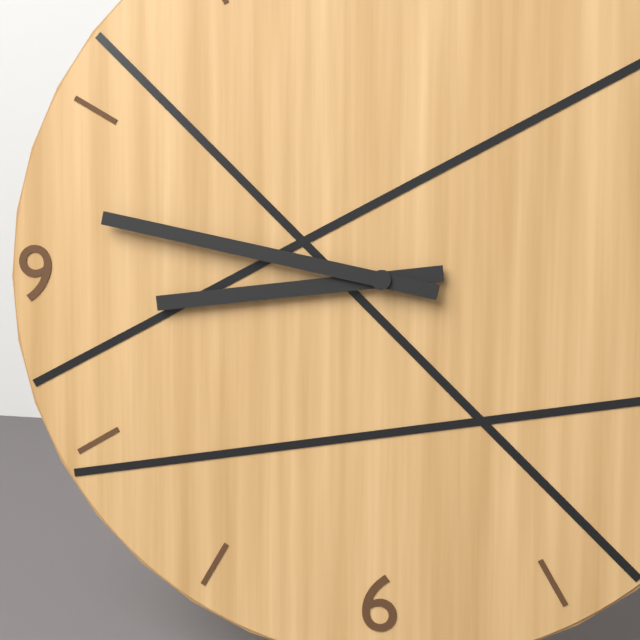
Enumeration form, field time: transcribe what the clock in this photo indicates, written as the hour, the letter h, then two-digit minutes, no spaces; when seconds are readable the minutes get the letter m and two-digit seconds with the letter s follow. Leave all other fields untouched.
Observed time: 8h47
